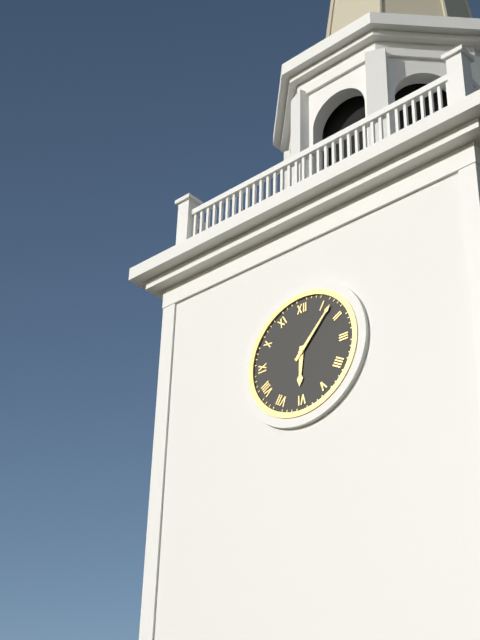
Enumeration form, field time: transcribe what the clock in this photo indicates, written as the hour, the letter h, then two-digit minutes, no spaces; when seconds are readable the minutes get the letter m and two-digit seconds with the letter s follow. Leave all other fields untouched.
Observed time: 6h07
